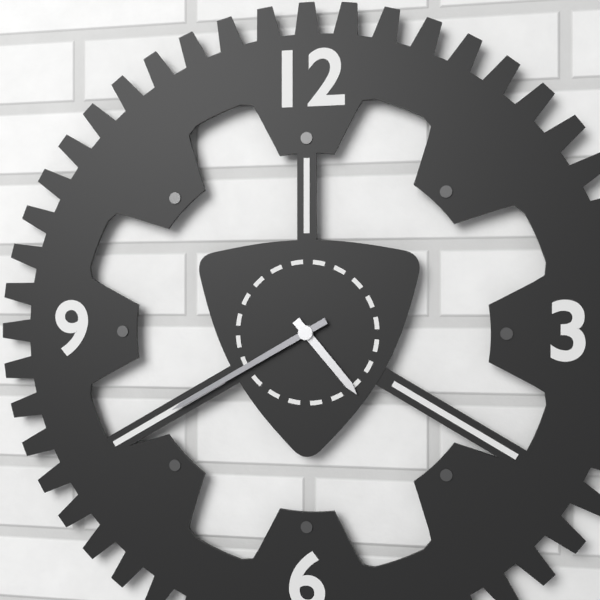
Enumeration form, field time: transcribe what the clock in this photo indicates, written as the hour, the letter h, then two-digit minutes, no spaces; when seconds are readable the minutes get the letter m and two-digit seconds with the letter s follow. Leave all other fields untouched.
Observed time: 4h40
